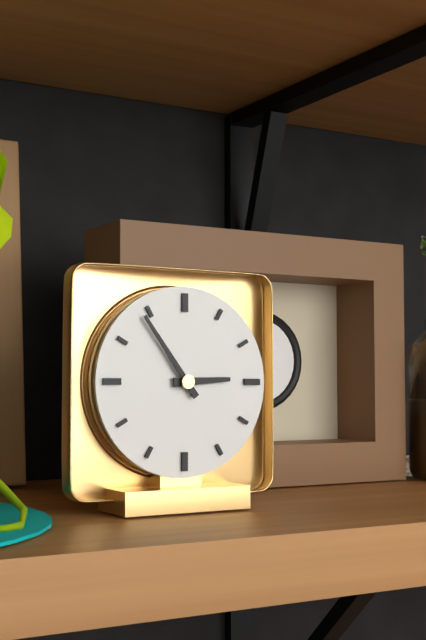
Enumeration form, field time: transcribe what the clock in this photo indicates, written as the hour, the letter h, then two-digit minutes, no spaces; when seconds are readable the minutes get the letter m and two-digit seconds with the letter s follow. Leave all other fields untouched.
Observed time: 2h54
